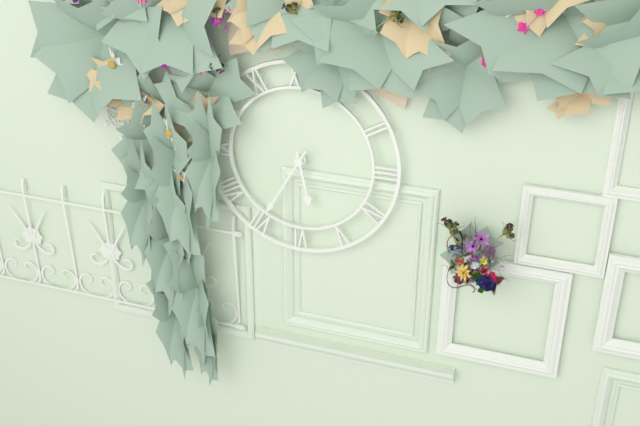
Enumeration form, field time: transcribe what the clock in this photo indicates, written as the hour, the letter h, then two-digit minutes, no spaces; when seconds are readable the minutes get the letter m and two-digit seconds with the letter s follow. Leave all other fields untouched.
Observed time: 5h35
